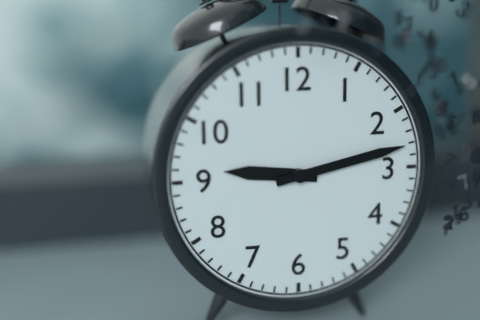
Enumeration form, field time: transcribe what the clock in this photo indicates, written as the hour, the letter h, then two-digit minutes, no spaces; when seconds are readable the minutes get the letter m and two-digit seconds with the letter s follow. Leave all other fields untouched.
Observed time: 9h13
